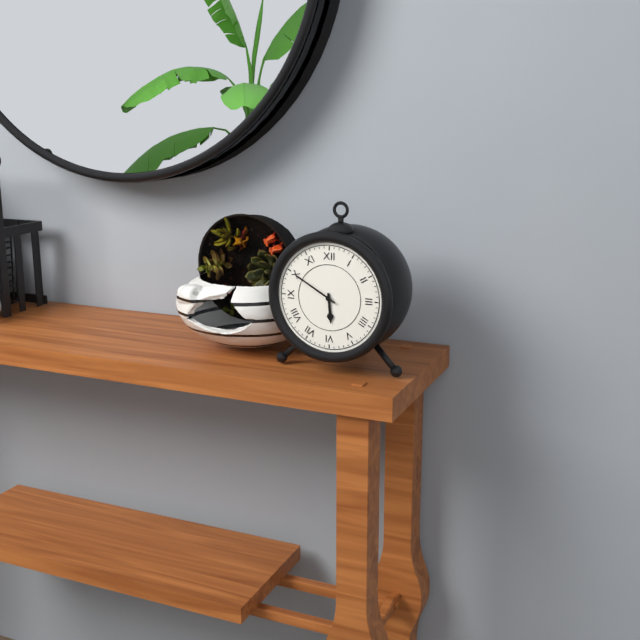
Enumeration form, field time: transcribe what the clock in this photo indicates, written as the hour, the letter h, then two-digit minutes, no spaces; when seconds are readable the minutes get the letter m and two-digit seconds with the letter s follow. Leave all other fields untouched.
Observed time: 5h50
